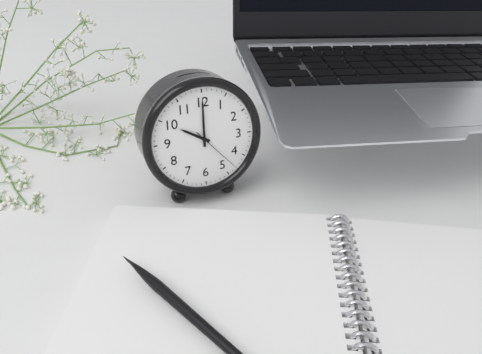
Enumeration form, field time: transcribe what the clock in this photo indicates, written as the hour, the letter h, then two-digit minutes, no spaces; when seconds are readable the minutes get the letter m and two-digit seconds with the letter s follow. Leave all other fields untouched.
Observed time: 10h00m23s
